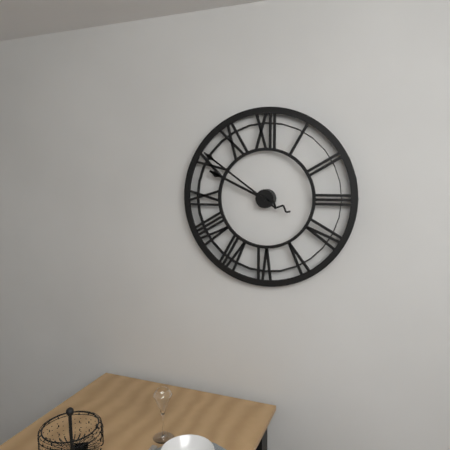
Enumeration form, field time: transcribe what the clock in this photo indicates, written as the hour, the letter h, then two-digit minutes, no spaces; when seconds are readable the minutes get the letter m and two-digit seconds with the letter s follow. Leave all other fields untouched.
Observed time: 9h51
